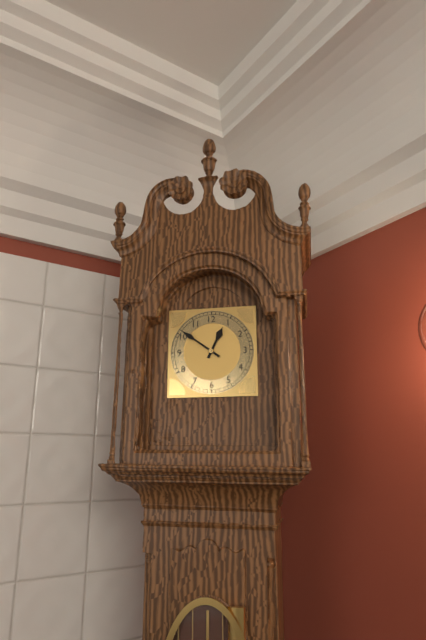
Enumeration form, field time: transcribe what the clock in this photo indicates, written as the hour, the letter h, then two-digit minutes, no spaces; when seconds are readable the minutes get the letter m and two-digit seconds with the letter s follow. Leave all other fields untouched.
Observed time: 12h51
